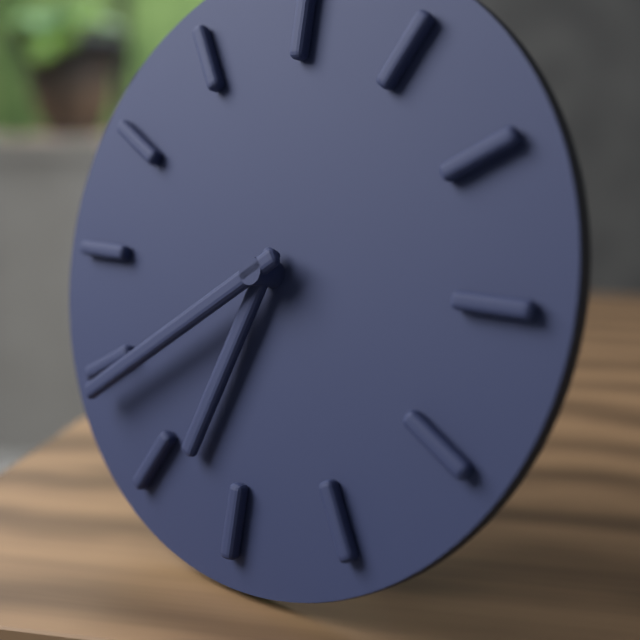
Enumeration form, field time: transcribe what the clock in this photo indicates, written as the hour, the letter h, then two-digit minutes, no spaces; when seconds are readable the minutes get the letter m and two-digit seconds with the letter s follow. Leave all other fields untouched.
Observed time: 6h39
